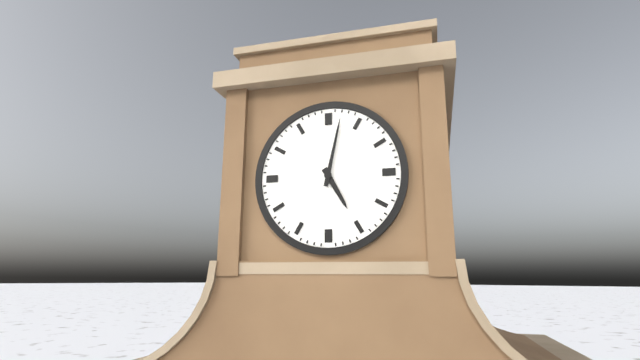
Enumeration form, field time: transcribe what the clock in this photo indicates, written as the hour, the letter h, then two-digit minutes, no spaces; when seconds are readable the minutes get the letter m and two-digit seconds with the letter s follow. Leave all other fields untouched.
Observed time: 5h02
